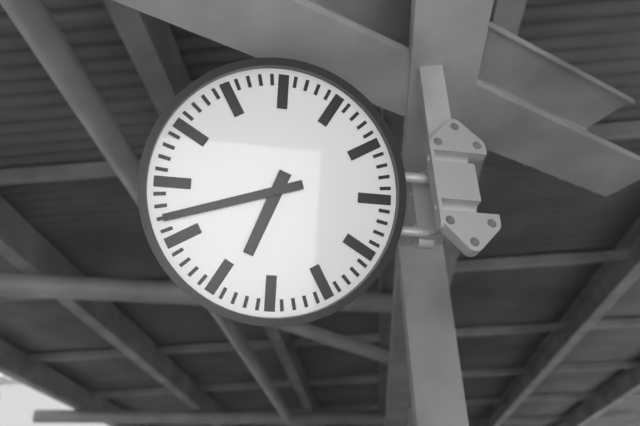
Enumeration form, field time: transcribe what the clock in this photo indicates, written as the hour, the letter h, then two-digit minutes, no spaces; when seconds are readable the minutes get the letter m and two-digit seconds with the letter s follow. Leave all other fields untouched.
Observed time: 6h42
